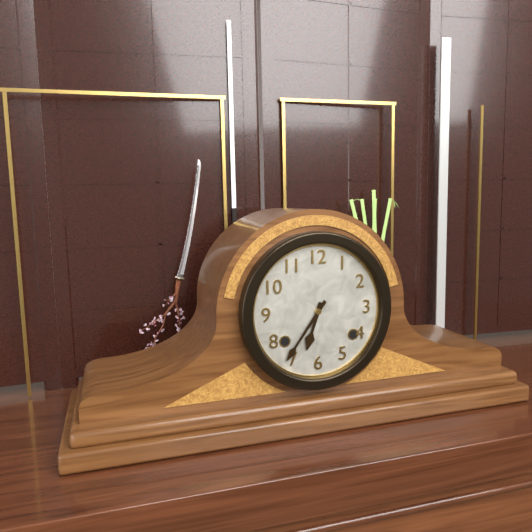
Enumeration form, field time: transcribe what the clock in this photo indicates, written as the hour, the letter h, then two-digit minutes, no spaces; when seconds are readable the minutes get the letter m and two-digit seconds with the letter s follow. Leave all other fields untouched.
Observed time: 6h36
